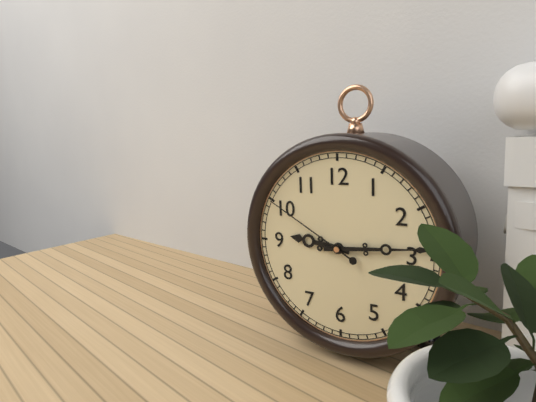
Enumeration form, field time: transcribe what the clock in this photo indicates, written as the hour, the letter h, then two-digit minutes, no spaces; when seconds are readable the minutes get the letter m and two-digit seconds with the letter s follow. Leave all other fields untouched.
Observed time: 9h14m50s
